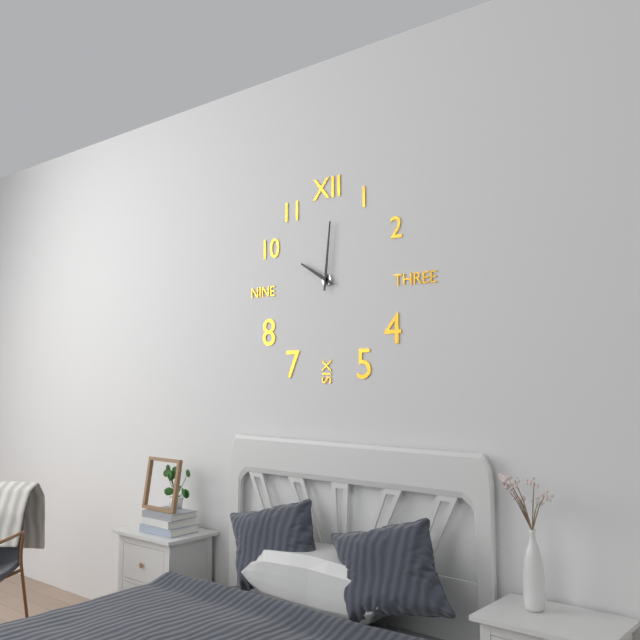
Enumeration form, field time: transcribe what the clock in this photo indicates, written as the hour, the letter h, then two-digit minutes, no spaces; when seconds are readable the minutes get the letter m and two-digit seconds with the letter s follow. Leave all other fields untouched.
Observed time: 10h01
